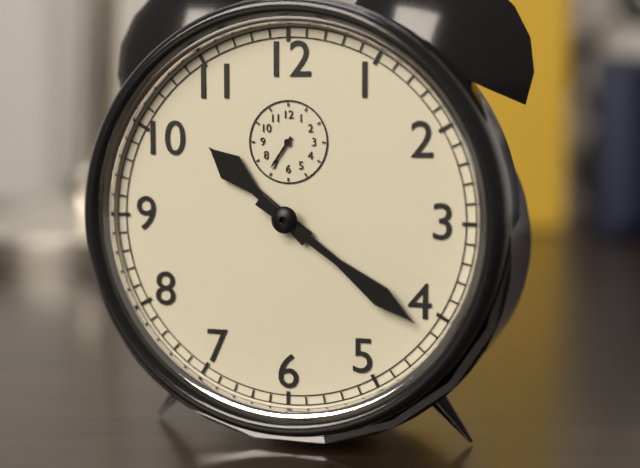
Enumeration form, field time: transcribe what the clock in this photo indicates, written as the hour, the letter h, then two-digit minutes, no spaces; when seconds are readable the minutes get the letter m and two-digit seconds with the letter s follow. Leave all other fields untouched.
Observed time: 10h21
